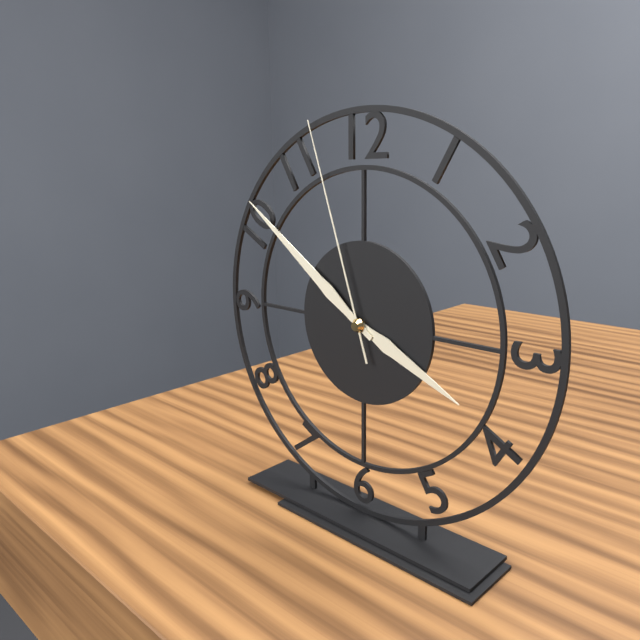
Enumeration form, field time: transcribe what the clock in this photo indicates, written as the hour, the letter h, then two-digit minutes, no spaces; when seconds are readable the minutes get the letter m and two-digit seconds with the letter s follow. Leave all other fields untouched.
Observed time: 3h51m57s
